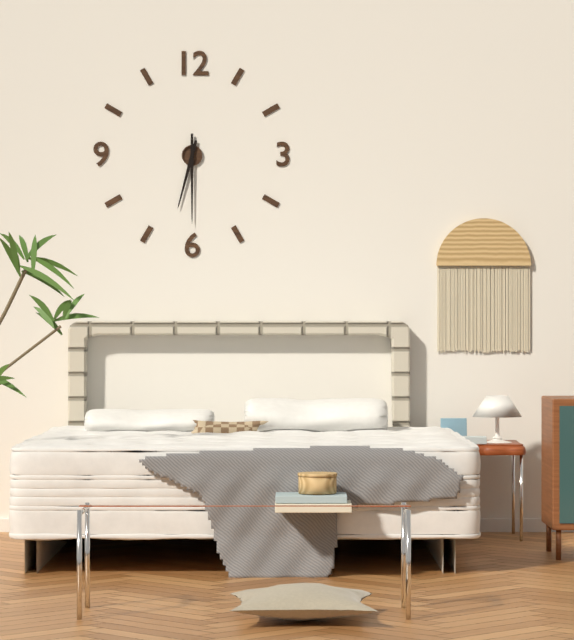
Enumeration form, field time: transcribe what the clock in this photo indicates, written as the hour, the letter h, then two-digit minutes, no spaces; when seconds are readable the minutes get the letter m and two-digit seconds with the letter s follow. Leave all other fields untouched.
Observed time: 6h30
